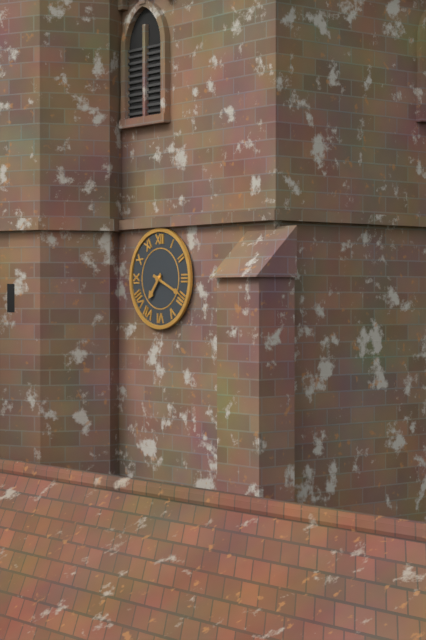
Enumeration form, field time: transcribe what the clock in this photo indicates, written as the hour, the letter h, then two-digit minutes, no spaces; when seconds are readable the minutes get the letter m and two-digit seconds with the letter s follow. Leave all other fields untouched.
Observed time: 7h19
